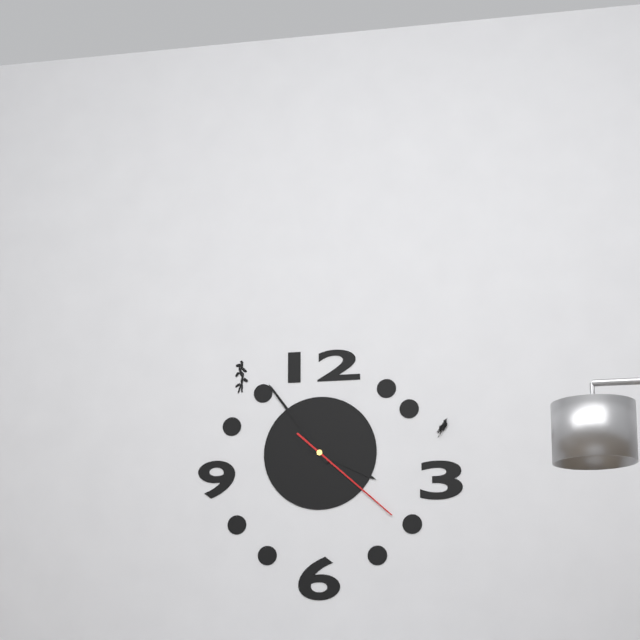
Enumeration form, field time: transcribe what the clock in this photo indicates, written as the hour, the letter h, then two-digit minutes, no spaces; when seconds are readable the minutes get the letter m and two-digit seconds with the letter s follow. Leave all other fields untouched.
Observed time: 3h54m22s
